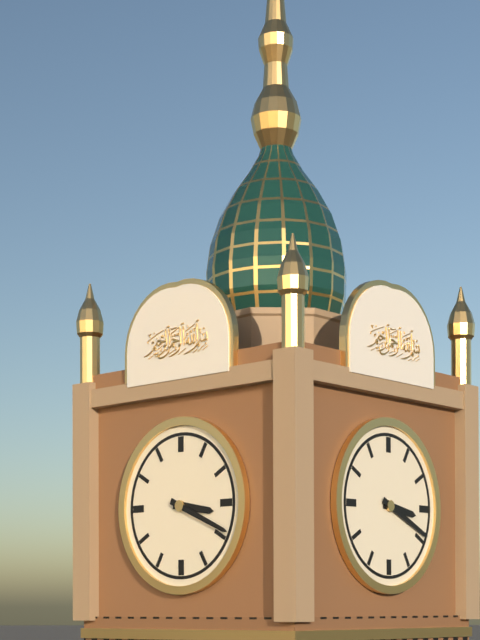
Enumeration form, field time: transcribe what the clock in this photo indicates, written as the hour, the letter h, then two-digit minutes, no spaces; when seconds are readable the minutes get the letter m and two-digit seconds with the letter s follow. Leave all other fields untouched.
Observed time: 3h19
